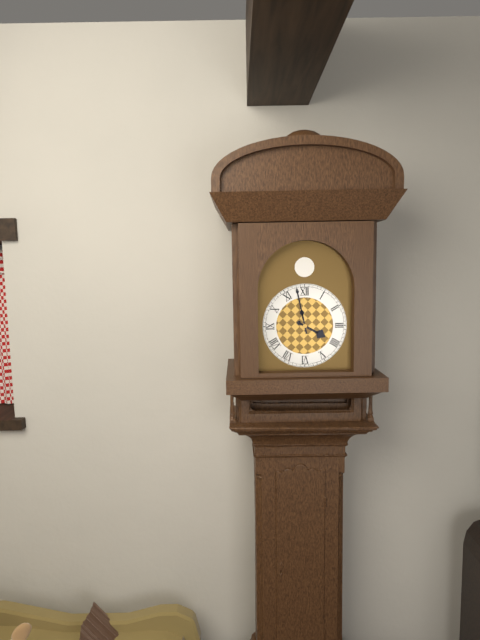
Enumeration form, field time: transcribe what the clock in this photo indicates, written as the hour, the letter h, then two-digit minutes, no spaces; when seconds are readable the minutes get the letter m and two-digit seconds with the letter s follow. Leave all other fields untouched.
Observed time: 3h58
